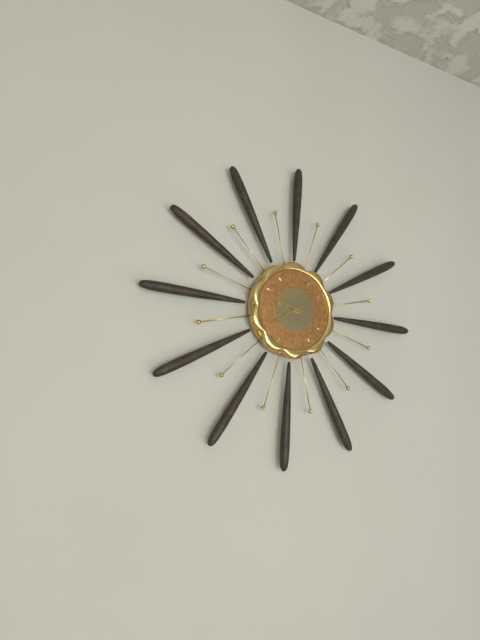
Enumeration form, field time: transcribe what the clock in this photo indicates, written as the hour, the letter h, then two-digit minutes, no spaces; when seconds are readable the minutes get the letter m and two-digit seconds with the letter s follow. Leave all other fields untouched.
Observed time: 9h40
